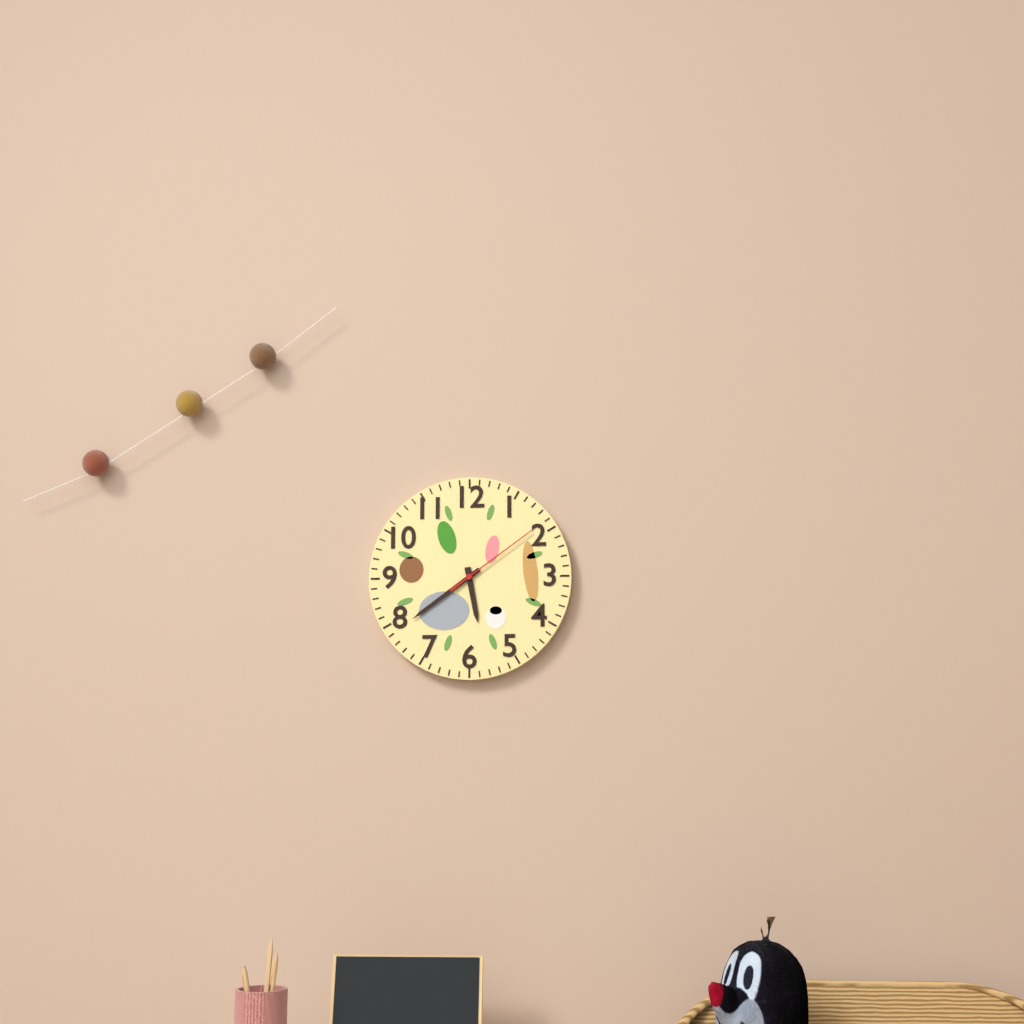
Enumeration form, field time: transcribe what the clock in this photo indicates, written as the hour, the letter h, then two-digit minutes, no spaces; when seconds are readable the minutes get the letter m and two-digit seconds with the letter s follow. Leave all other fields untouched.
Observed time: 5h39m09s
